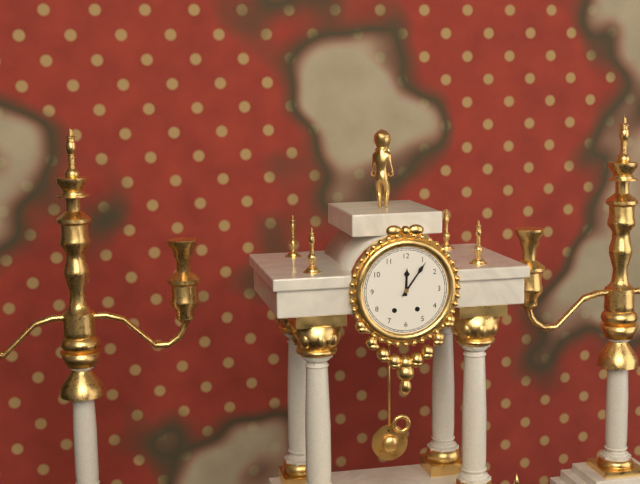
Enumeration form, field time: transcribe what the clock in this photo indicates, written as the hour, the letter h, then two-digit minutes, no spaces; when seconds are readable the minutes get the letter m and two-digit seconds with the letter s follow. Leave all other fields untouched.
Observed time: 12h06
